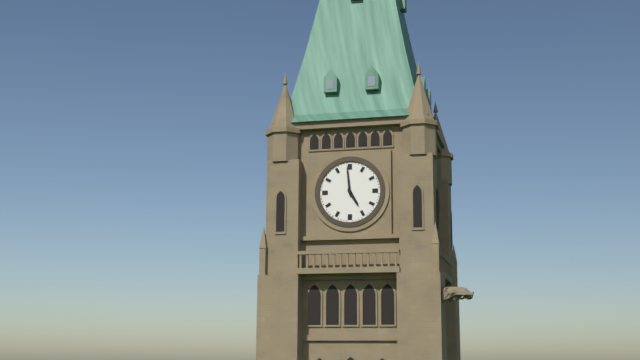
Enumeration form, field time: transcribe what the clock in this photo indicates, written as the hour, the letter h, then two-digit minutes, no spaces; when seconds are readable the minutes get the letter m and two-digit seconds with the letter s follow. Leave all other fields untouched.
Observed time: 4h59
